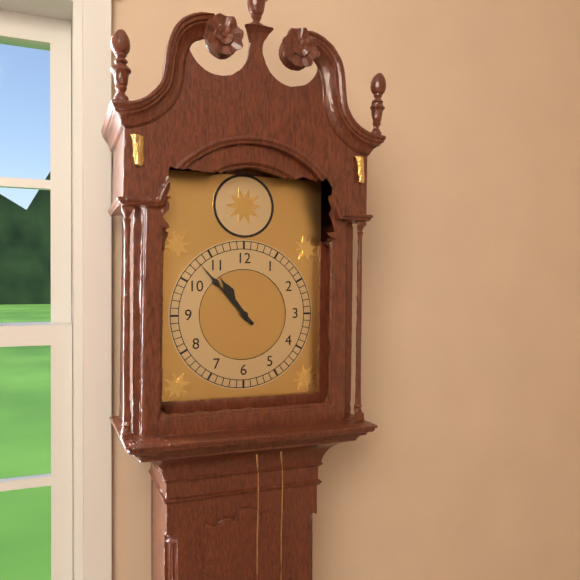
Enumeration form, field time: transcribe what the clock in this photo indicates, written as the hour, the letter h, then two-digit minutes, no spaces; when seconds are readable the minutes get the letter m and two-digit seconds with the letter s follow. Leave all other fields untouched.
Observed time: 10h53
